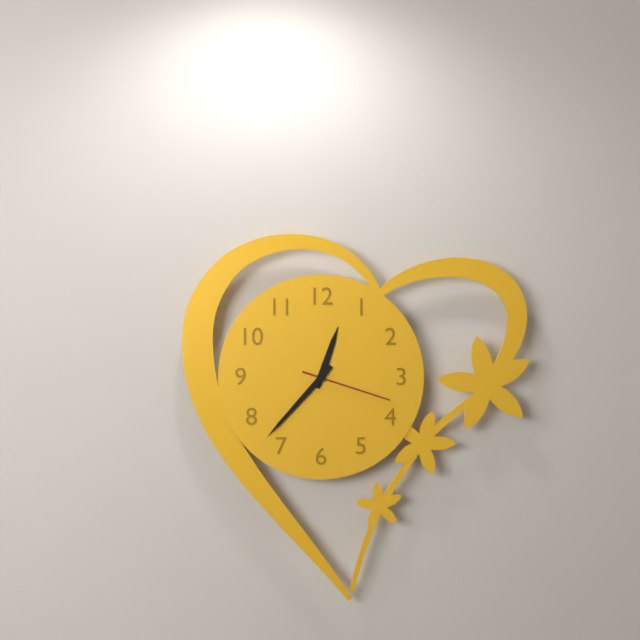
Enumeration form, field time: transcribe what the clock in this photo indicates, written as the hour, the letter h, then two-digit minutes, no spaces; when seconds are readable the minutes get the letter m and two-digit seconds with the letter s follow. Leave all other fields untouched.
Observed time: 12h37m18s
